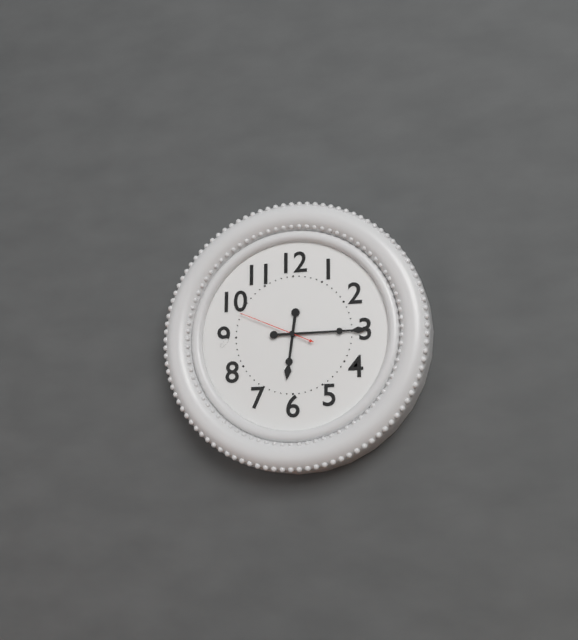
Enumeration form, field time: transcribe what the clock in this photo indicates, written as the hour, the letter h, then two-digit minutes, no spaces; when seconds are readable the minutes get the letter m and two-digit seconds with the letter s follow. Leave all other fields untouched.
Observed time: 6h15m49s
